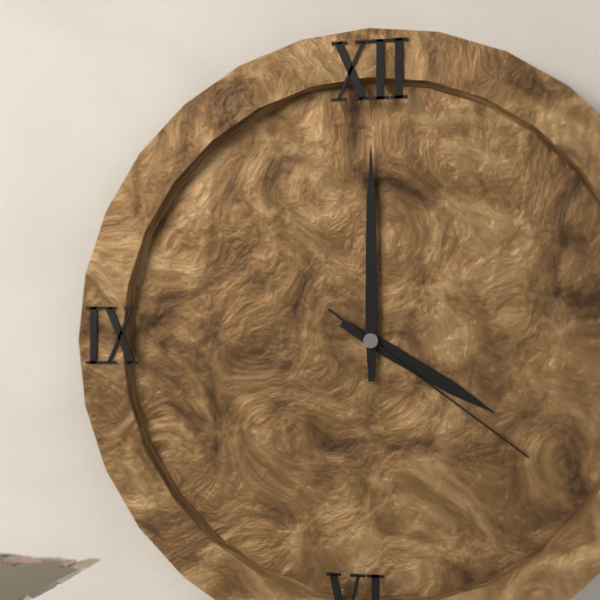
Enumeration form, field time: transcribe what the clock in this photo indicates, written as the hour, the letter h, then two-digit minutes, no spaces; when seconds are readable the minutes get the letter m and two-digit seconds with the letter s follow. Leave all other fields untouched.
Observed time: 4h00m21s
